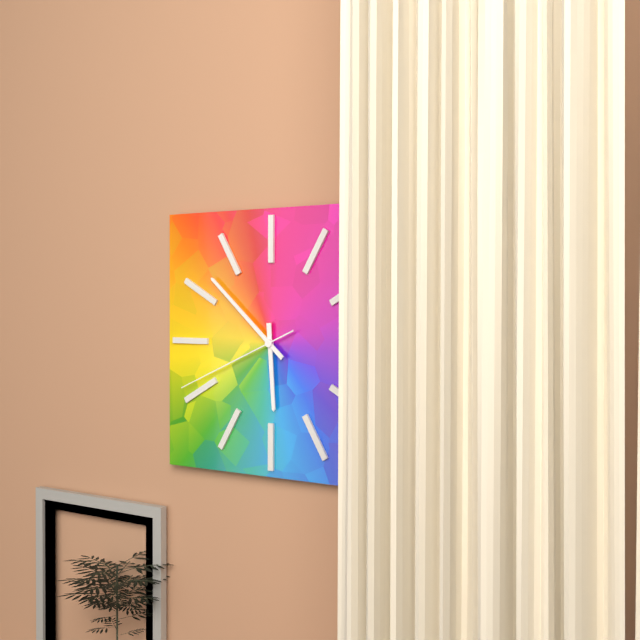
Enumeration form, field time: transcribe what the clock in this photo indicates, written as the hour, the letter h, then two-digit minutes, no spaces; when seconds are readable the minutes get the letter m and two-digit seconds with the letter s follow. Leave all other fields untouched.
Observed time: 5h52m41s
